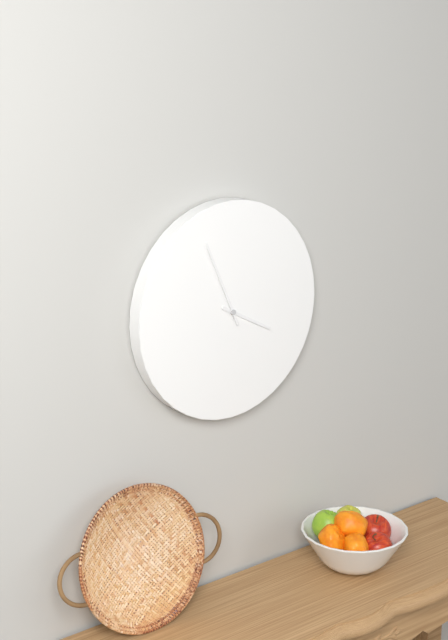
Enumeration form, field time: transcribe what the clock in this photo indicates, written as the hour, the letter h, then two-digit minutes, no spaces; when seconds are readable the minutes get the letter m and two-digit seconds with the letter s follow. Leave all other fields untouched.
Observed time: 3h56
